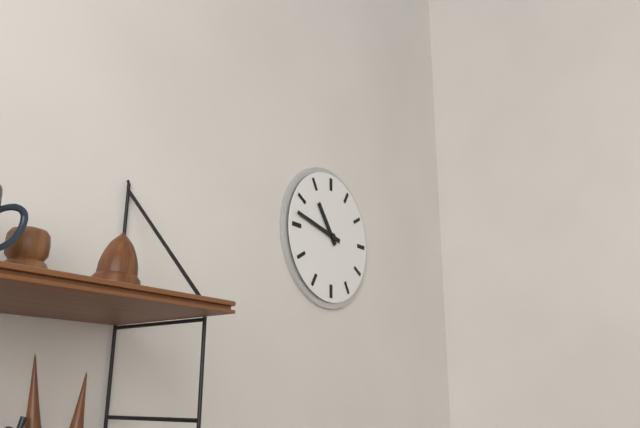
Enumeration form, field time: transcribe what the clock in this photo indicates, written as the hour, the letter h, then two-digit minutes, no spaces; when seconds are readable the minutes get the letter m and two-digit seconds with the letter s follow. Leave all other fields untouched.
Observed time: 10h47
